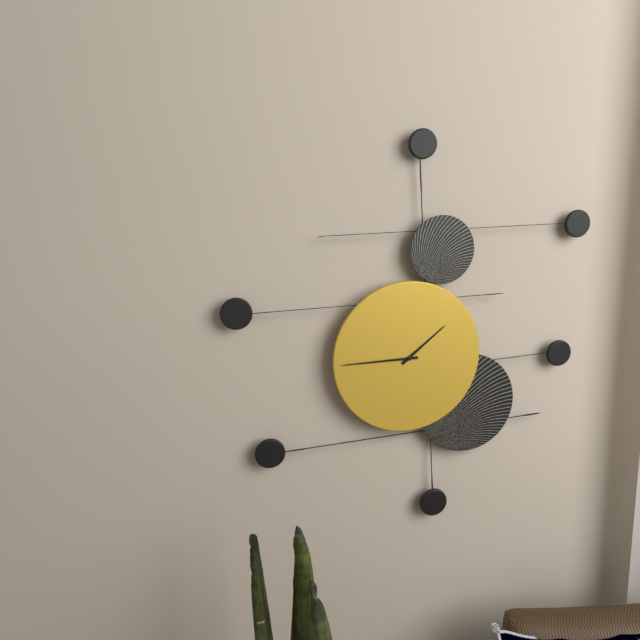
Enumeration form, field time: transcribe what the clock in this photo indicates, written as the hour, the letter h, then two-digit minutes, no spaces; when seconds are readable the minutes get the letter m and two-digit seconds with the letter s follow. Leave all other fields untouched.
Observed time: 1h45
